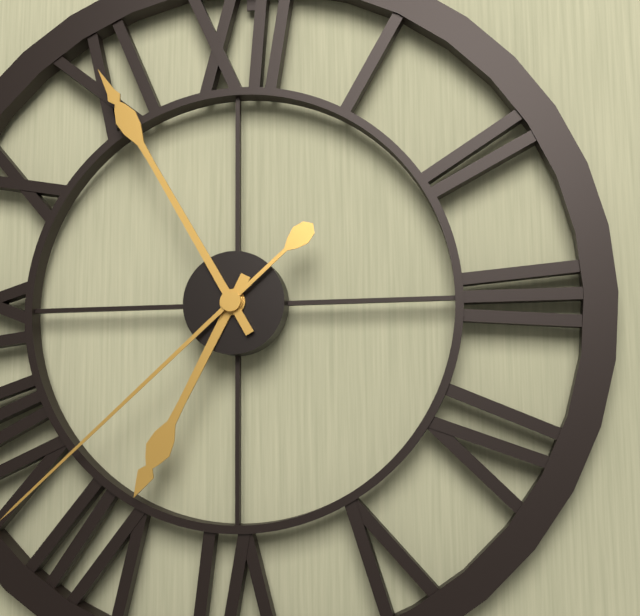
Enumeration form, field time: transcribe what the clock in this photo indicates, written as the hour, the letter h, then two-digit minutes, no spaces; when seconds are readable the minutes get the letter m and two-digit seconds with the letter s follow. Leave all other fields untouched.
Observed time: 6h55
